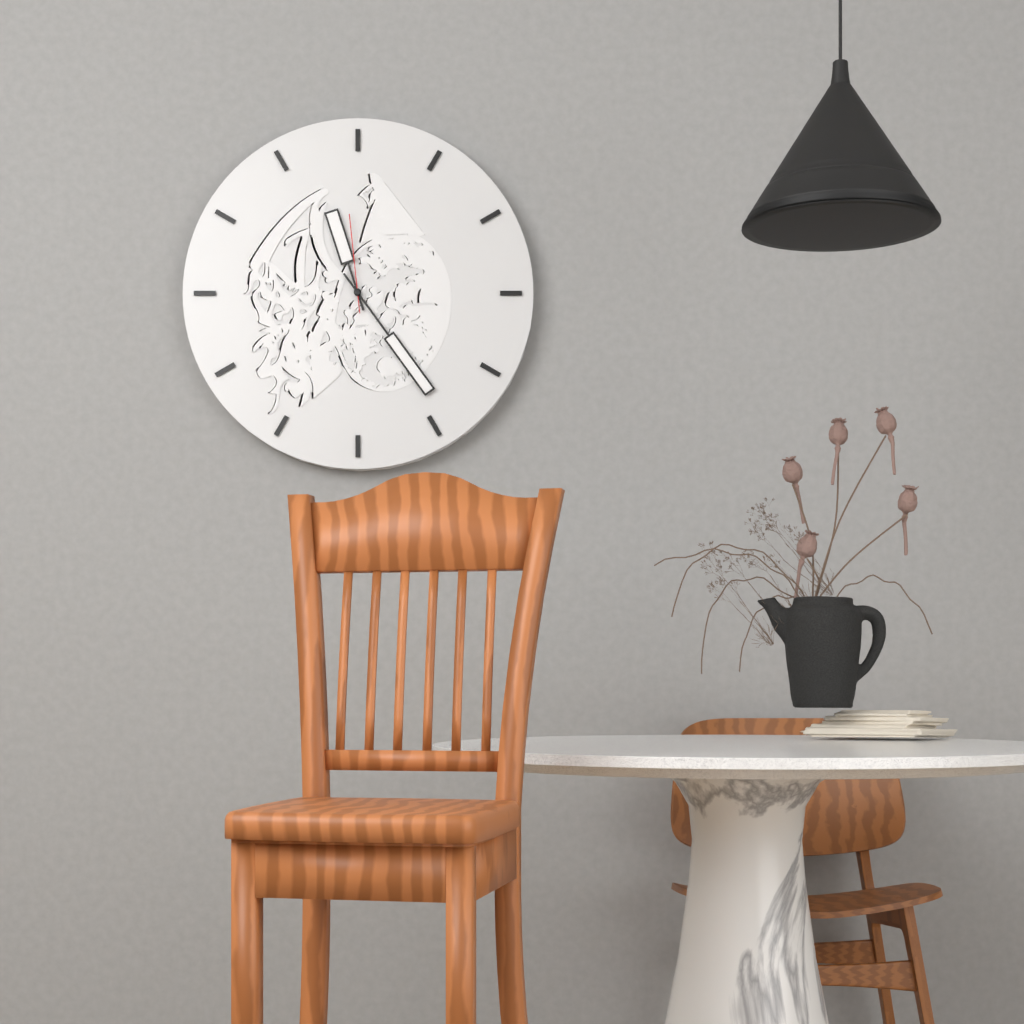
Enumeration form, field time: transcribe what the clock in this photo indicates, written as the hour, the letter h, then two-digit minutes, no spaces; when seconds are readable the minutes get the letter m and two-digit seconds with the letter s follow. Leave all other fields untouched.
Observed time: 11h24m59s
